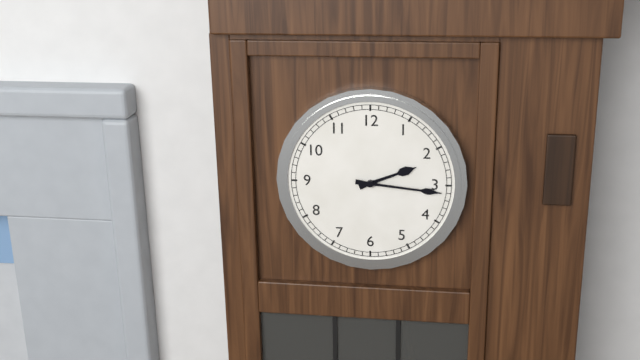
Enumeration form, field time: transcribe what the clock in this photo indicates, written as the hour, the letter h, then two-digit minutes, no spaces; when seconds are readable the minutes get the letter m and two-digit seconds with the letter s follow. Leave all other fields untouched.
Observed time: 2h16
